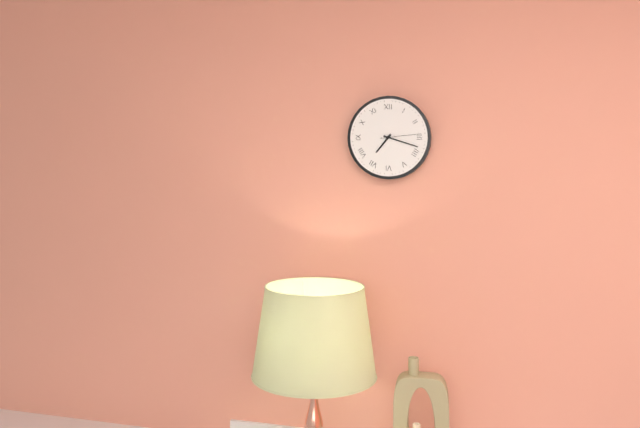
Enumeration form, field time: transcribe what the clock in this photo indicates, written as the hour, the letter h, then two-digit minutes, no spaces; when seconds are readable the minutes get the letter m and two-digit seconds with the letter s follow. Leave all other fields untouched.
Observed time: 7h18
